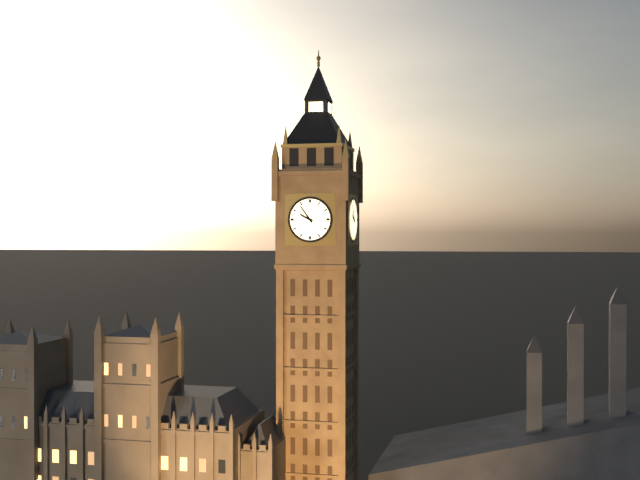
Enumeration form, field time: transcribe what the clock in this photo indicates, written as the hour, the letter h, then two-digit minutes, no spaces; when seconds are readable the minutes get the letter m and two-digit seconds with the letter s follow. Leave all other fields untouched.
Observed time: 9h54
